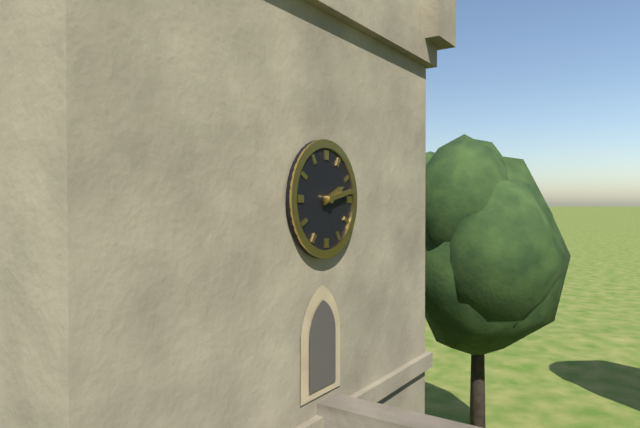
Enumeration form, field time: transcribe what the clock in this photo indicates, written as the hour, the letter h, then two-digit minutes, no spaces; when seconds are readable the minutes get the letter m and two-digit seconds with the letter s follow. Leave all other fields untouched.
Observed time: 2h13
